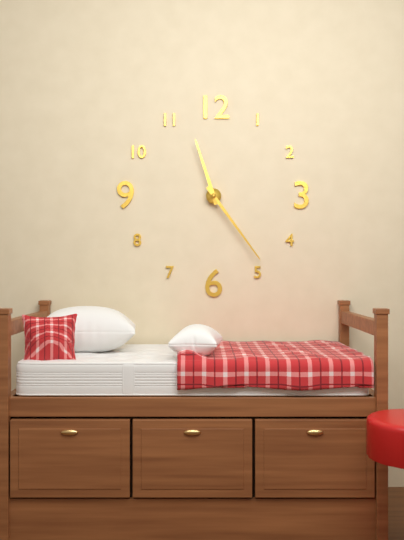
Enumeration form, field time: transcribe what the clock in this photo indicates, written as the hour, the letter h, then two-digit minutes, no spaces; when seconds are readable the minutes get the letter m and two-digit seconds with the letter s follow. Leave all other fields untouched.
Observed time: 11h24
